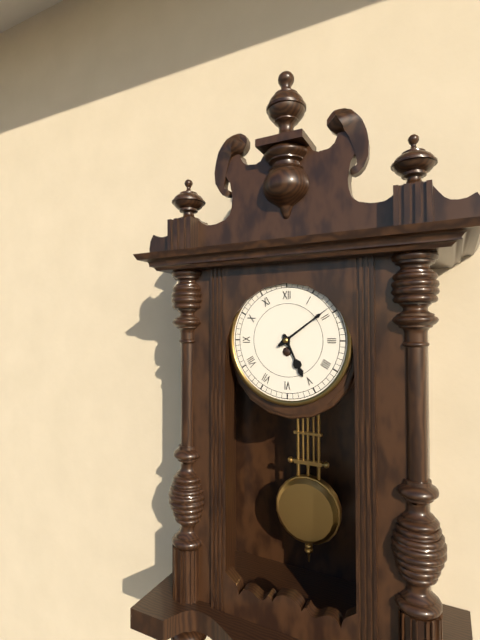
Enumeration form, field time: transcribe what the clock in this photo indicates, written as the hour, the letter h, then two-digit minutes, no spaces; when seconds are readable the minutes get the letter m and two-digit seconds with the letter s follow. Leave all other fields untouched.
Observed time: 5h09
